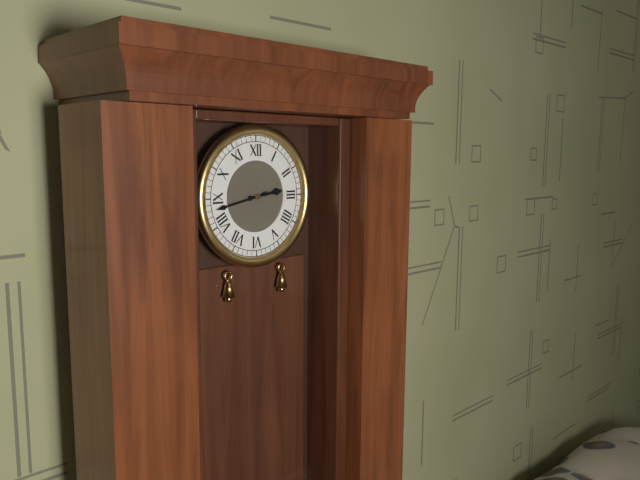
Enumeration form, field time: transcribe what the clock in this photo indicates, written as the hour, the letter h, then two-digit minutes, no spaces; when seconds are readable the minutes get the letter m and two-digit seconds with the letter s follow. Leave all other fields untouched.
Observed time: 2h43
